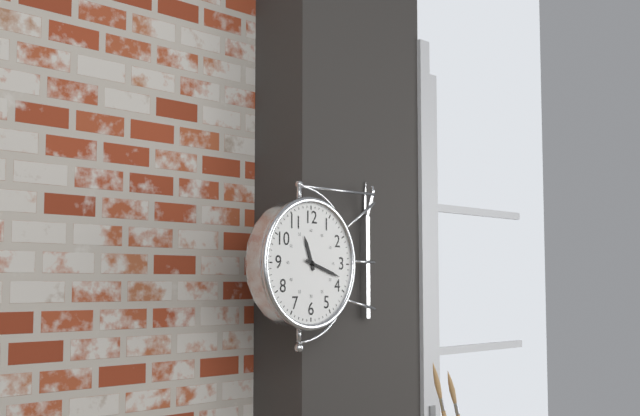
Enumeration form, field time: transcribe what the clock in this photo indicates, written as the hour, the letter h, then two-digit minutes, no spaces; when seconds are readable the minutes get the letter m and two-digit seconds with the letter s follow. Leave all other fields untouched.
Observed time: 11h18
